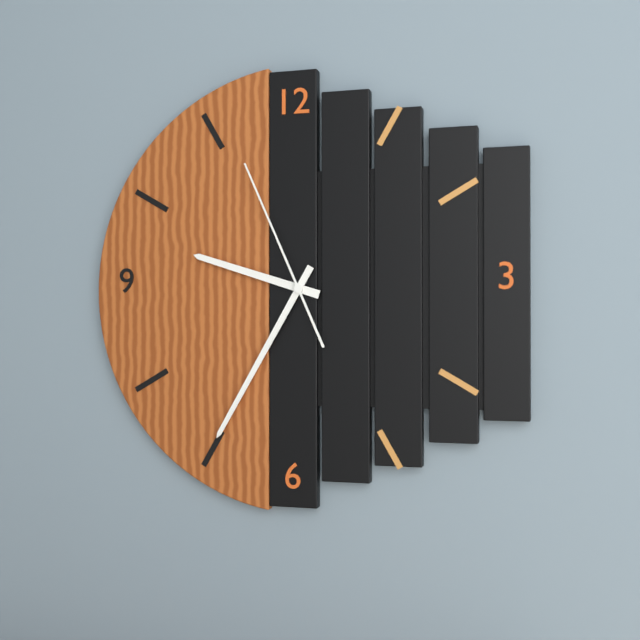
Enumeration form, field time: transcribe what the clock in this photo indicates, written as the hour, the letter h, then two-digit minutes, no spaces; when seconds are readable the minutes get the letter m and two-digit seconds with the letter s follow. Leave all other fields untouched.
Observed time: 9h35m56s
